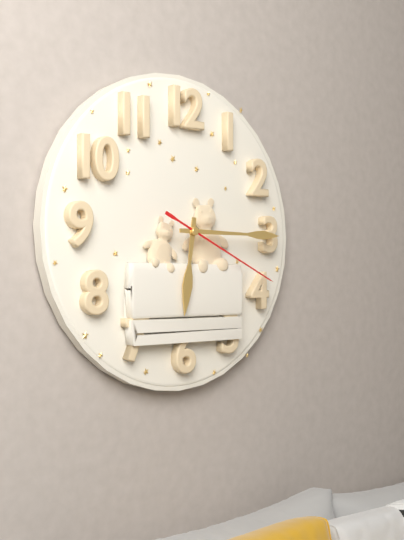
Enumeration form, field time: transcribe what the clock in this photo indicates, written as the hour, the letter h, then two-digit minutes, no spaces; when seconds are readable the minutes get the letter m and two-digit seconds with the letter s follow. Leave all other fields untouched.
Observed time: 6h15m19s
